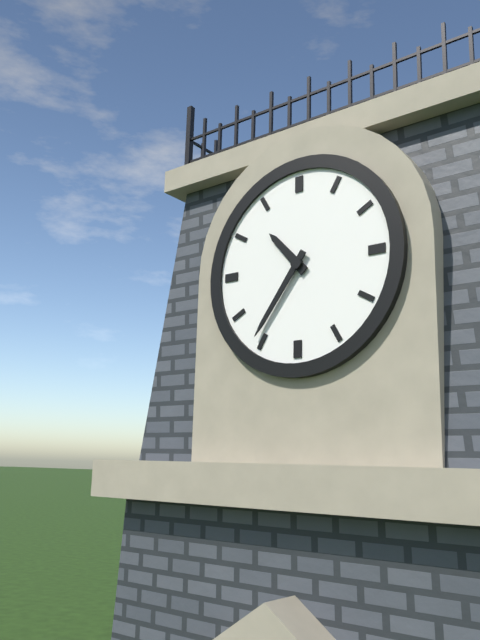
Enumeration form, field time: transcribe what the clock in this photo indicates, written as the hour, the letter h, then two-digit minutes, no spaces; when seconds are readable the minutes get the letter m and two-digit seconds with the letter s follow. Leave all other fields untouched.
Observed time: 10h36
